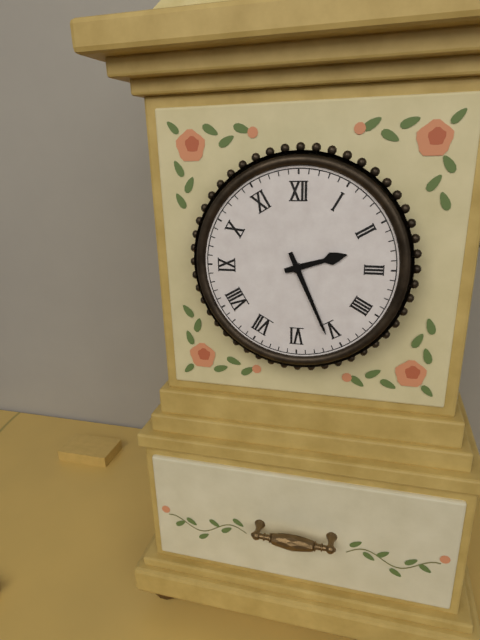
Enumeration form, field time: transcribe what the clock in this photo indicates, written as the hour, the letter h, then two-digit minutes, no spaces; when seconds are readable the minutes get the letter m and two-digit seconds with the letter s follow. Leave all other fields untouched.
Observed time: 2h26
